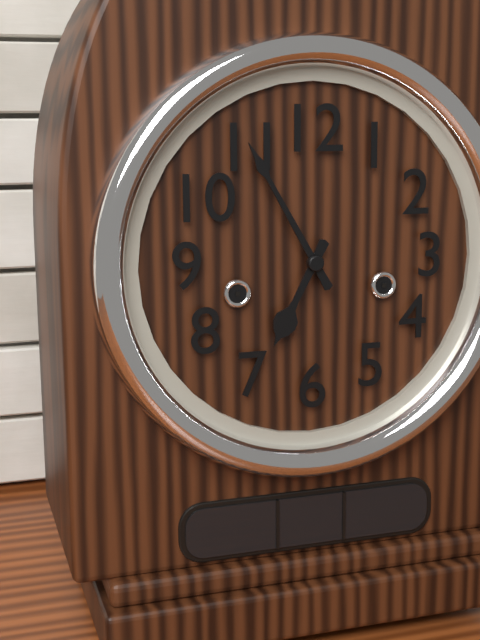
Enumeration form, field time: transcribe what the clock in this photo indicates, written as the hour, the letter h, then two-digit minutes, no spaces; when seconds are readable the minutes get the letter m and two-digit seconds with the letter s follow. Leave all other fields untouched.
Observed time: 6h55
